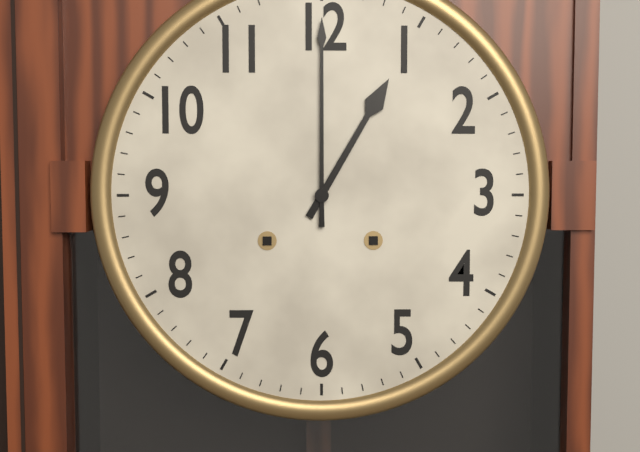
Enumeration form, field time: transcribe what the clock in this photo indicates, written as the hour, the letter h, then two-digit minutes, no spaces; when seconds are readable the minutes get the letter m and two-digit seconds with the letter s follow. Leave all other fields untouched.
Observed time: 1h00
